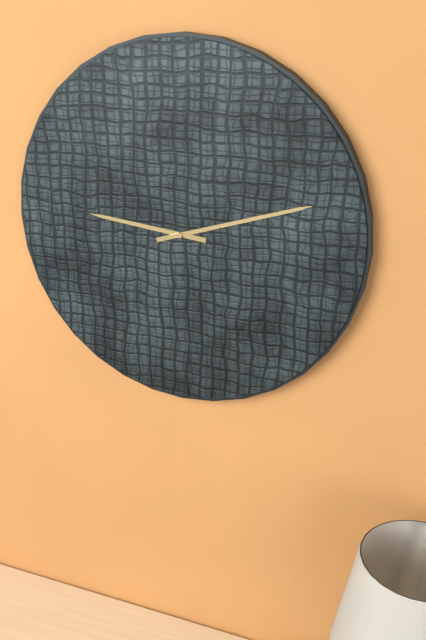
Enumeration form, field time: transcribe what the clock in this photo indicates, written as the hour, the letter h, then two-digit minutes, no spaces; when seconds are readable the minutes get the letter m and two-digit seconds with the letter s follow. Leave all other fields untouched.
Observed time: 9h12
